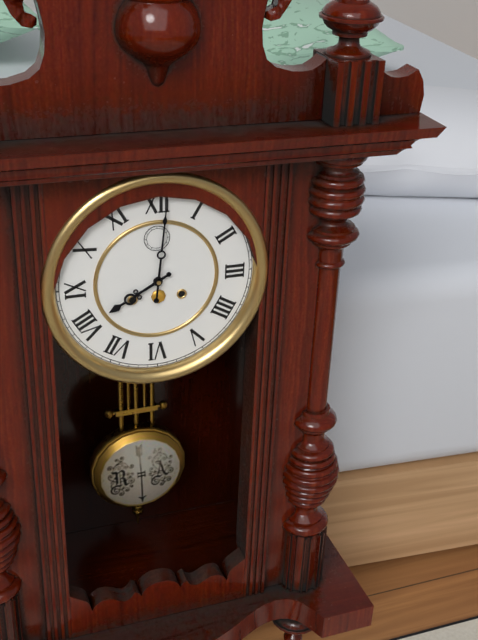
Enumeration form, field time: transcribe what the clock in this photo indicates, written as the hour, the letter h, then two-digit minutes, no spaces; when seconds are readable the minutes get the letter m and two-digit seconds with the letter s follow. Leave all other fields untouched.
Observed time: 8h01
